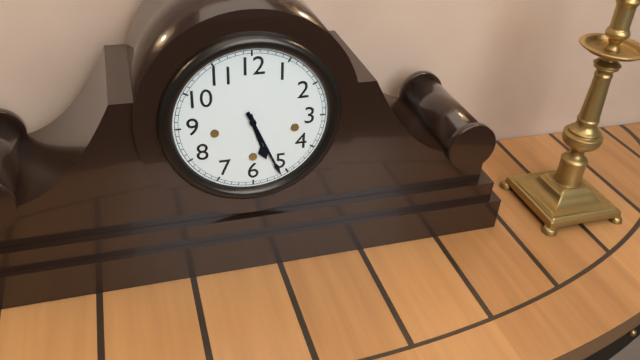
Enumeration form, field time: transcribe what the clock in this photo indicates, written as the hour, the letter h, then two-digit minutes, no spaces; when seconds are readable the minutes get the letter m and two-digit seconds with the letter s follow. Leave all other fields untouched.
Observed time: 5h26
